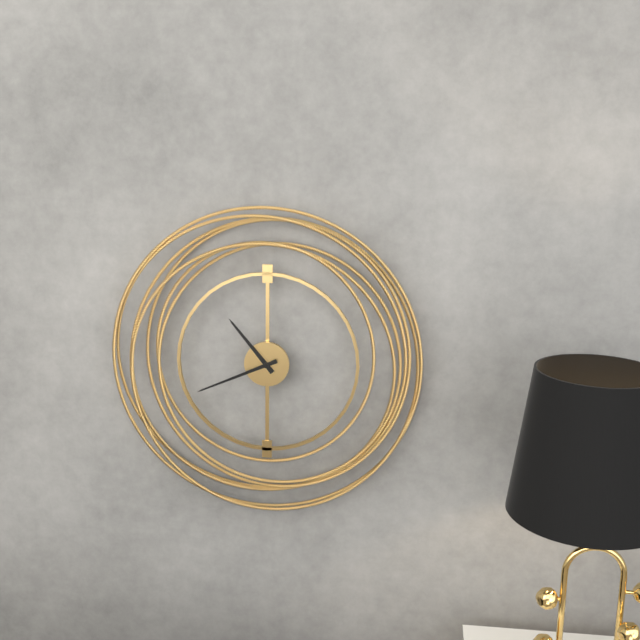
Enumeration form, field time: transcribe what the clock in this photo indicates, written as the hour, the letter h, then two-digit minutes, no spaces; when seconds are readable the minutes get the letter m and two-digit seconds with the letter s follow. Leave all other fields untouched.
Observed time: 10h41
